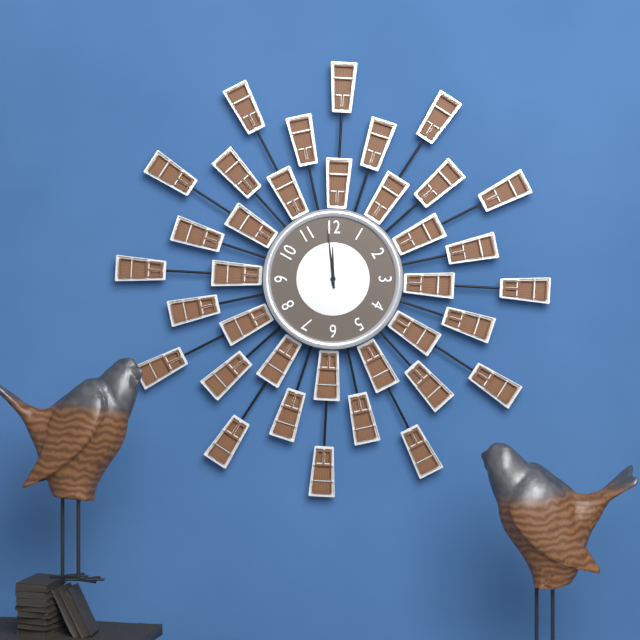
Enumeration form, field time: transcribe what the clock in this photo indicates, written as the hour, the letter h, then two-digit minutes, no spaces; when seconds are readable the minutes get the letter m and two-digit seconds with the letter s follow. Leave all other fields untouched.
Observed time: 11h59
